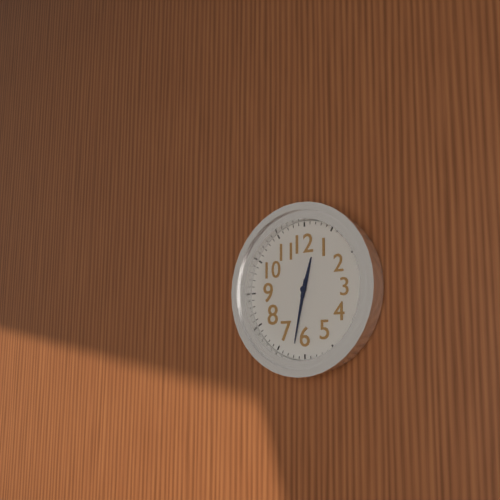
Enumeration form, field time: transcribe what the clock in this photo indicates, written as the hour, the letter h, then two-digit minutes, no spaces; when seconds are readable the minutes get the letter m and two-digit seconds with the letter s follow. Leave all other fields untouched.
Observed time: 12h32
